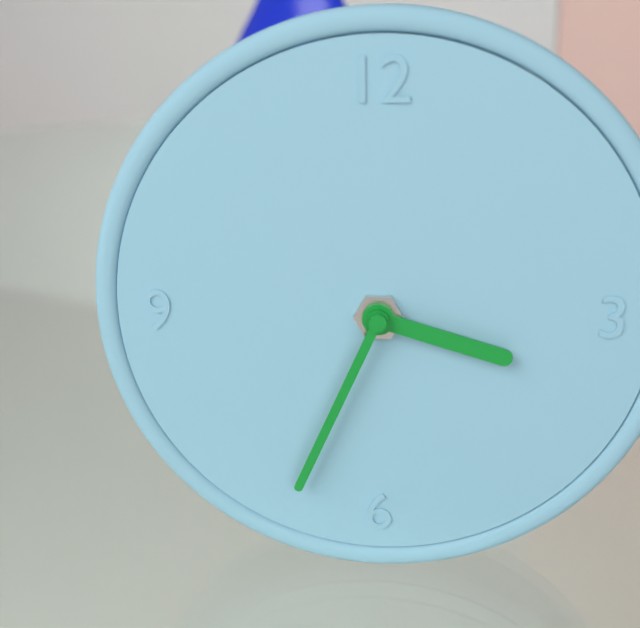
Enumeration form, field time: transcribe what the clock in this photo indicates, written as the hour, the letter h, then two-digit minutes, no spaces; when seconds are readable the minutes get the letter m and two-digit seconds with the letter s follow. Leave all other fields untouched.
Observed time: 3h34
